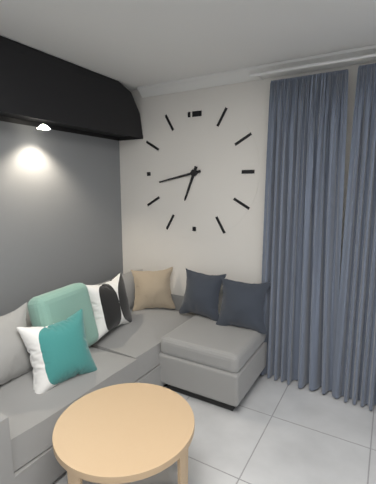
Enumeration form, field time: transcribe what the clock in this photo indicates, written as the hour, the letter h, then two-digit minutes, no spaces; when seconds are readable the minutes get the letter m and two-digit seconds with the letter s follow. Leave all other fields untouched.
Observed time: 6h43
